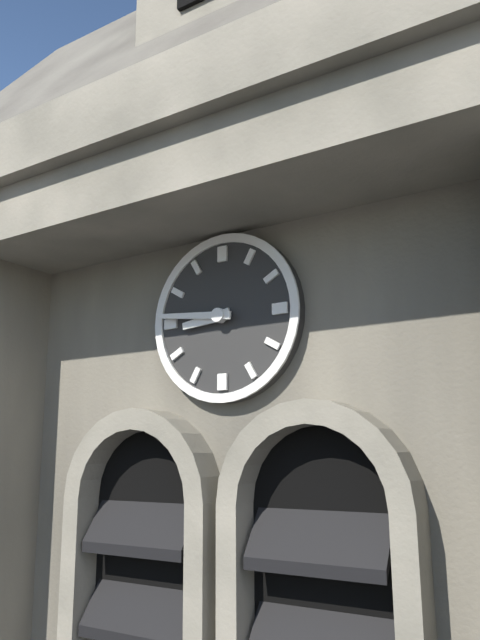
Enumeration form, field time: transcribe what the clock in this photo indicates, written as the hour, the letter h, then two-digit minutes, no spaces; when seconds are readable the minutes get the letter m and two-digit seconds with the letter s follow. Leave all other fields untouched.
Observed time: 8h46
